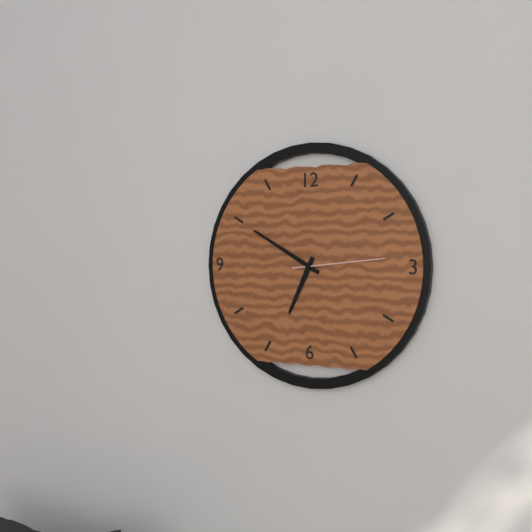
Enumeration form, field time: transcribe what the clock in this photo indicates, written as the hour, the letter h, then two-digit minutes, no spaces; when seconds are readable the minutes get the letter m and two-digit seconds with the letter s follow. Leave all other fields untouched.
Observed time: 6h50m14s
